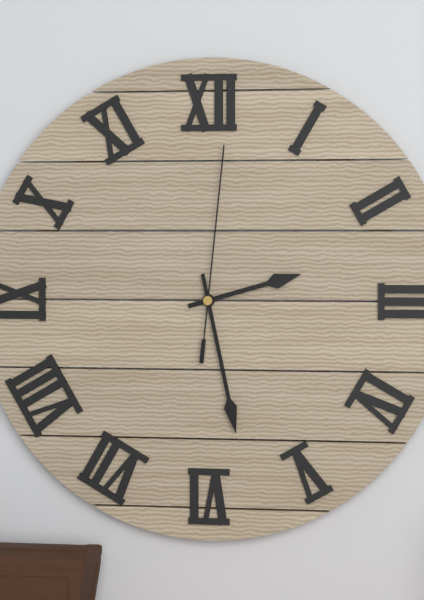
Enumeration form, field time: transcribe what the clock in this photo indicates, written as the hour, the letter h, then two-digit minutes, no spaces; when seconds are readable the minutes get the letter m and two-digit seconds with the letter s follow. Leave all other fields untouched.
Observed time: 2h28m01s
